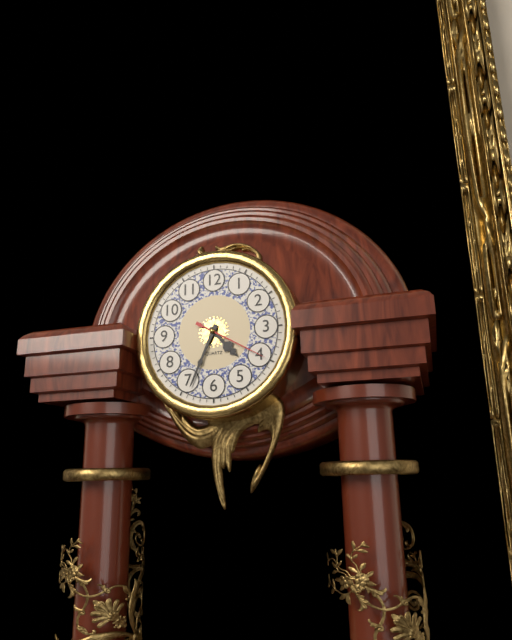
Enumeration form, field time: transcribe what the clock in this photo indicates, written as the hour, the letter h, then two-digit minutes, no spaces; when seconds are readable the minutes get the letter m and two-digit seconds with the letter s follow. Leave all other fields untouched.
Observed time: 4h34m20s
